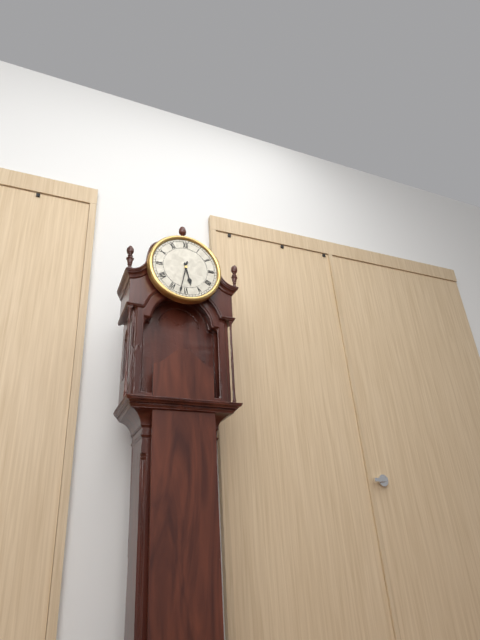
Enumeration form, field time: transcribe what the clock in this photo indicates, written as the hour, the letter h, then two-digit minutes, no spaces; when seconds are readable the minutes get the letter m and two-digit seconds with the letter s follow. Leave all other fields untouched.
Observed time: 5h32
